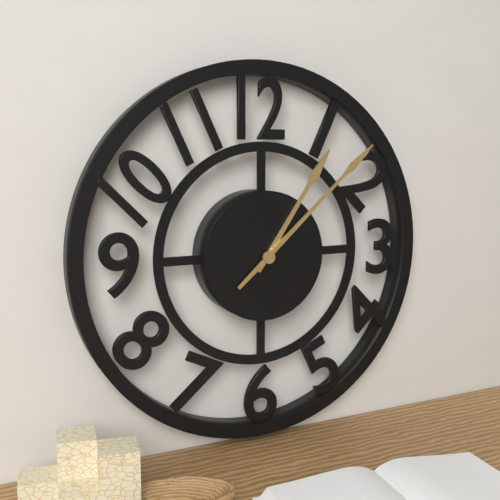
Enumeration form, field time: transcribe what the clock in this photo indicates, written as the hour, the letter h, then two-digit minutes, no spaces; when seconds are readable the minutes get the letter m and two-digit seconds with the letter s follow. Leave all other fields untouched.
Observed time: 1h08
